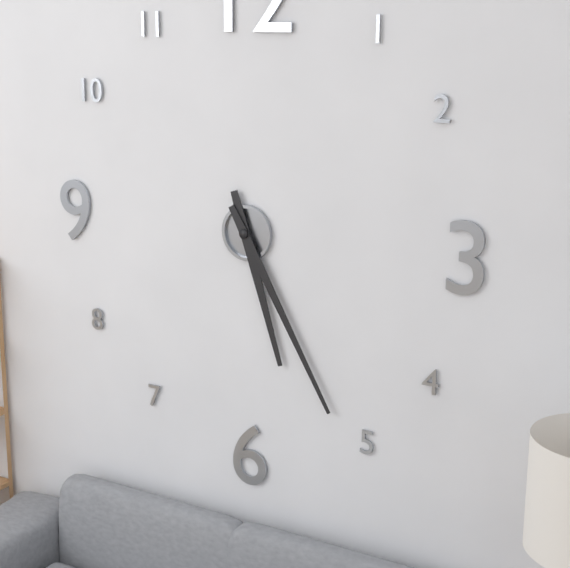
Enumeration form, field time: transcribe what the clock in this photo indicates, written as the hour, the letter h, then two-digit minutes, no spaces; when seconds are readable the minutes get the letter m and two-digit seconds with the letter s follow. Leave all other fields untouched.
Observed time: 5h25
